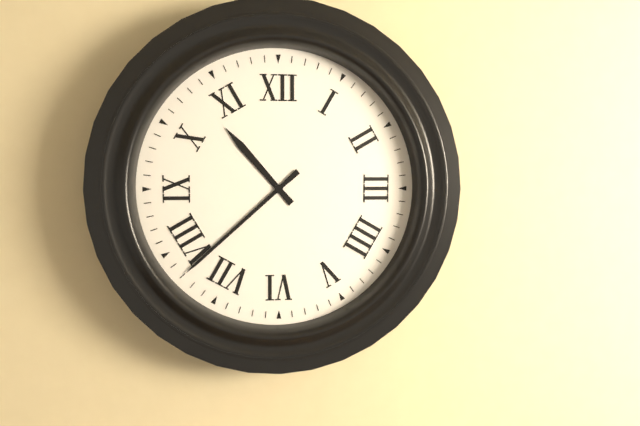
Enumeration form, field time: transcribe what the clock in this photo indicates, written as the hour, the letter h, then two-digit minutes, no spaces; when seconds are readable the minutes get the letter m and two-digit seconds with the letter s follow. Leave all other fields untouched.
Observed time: 10h38
